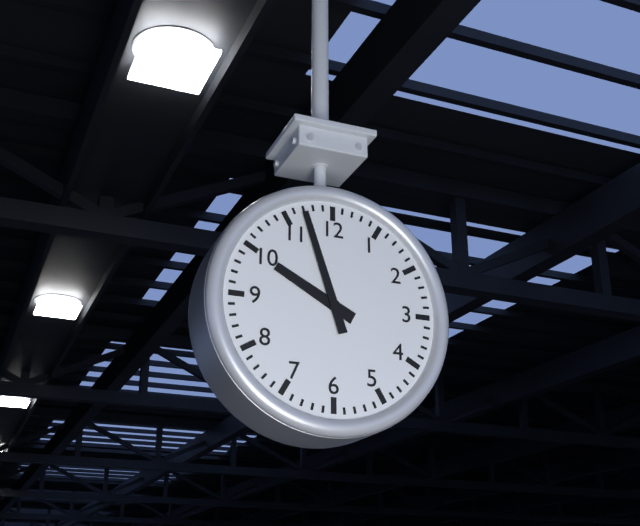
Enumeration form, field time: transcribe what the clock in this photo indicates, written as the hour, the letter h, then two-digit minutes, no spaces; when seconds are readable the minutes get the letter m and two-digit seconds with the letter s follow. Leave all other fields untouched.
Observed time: 9h57
